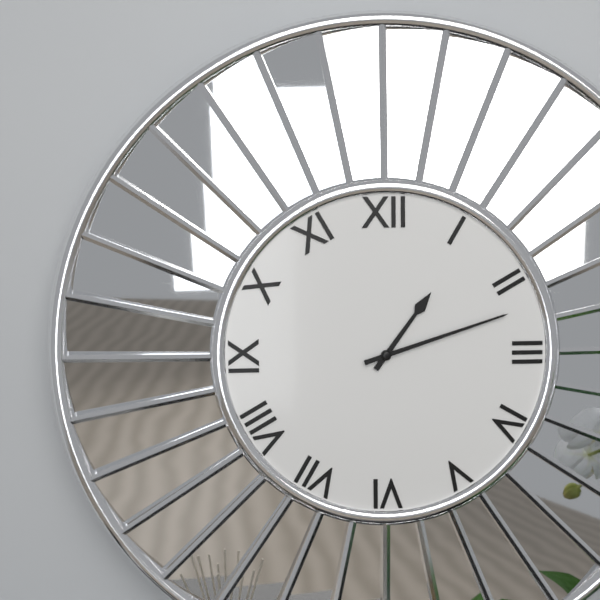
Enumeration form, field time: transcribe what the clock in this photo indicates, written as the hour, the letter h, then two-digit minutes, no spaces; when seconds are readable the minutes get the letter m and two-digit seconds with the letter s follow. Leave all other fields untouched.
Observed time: 1h12
